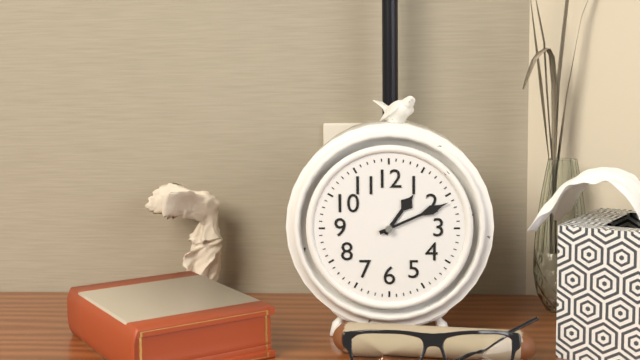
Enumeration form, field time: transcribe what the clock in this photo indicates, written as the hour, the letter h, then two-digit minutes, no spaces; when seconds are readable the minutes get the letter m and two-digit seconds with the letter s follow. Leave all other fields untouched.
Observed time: 1h11
